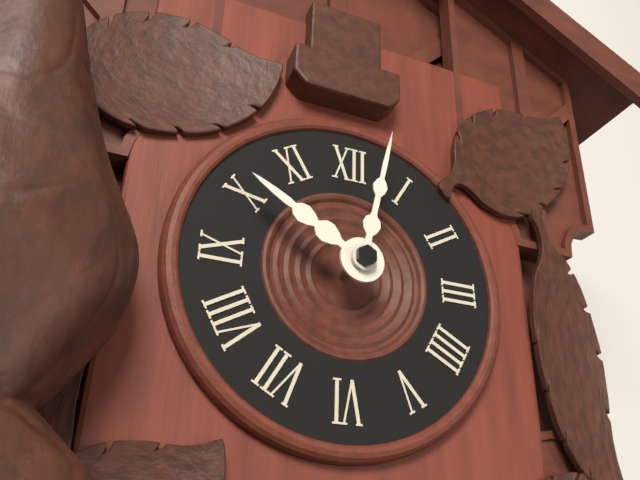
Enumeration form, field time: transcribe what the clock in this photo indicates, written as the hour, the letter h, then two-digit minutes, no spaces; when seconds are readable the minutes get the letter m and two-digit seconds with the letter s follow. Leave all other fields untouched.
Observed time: 10h02
